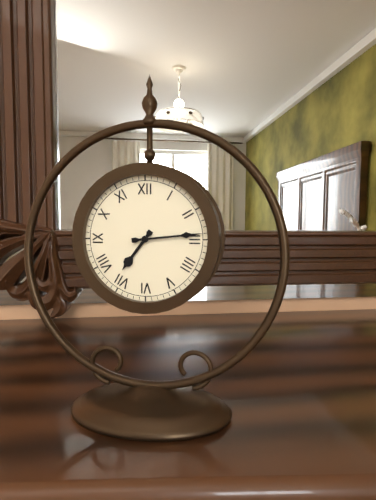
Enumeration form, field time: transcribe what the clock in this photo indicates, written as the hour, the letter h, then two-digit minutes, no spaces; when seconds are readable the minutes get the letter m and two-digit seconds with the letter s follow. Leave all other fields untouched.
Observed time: 7h14
